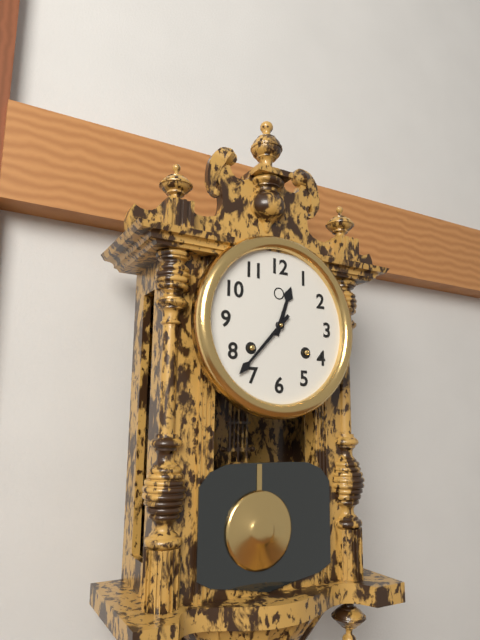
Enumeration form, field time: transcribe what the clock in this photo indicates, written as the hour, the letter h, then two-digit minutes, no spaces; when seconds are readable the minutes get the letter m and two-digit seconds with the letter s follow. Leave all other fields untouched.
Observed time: 12h37
